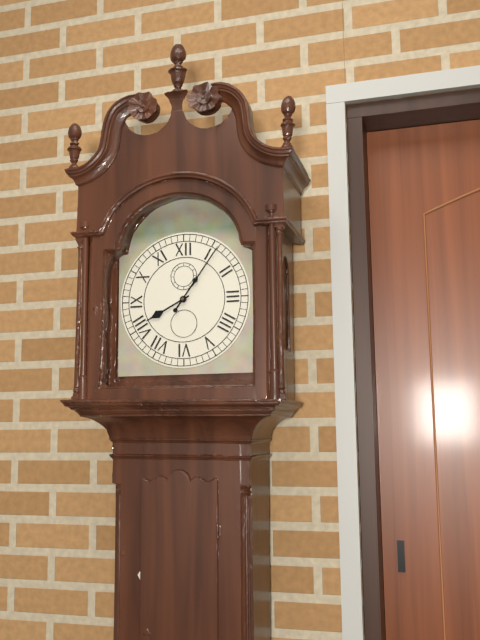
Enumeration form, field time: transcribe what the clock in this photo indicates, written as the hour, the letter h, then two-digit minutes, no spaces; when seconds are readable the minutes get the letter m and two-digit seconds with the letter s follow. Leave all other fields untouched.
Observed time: 8h06
